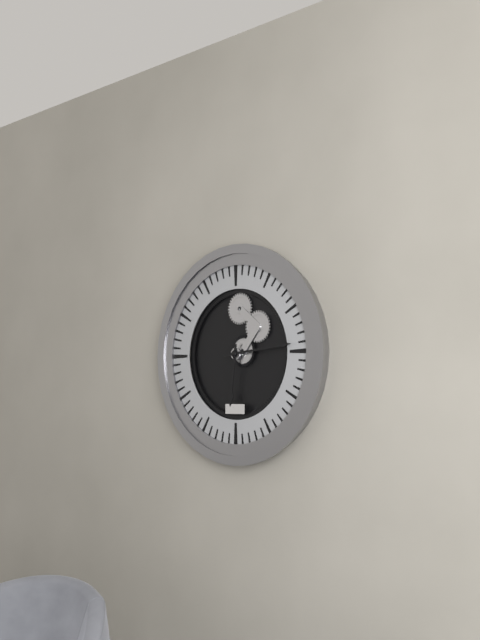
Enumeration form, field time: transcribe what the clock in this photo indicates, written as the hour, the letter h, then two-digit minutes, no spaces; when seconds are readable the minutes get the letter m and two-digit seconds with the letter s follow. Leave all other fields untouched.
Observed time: 6h14
